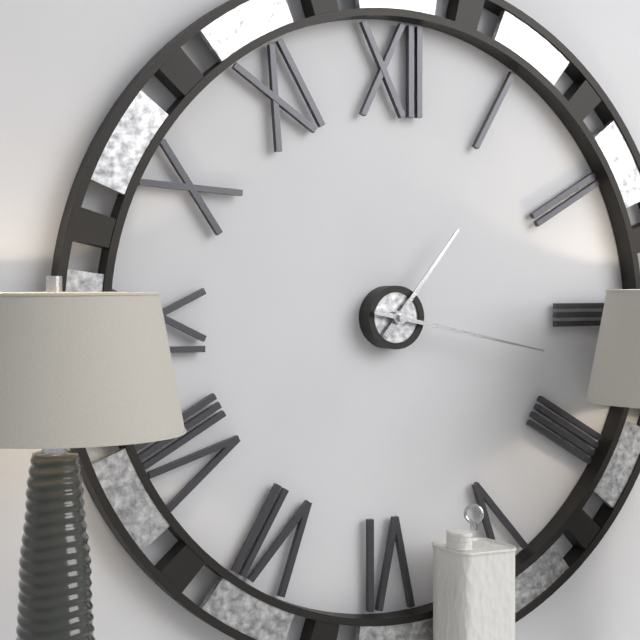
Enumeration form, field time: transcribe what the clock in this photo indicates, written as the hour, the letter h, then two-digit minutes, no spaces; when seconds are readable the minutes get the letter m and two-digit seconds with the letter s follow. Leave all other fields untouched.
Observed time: 1h17
